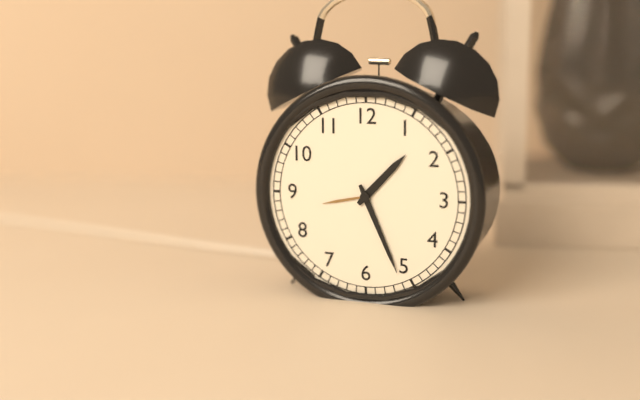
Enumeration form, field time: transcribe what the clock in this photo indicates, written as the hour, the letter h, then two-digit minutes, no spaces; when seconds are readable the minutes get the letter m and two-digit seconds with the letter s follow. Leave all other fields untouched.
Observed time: 1h26
